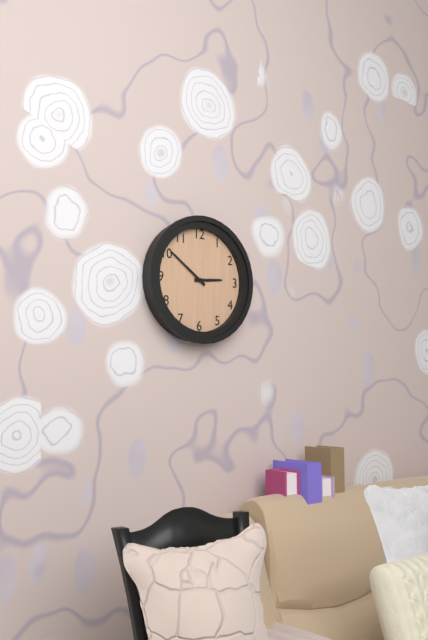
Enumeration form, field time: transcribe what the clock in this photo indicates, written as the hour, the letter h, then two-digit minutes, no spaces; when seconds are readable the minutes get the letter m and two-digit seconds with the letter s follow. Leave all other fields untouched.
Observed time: 2h51
